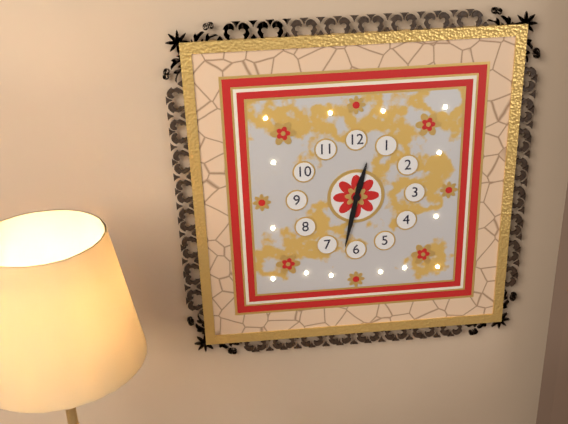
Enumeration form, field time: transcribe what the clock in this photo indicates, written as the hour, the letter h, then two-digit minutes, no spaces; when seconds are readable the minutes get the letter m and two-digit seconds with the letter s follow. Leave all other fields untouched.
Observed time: 12h32
